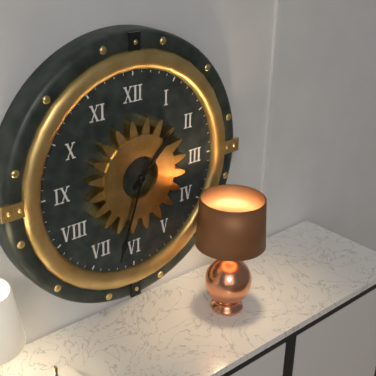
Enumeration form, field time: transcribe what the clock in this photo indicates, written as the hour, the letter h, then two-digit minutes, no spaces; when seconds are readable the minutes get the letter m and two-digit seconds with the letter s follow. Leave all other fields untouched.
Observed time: 1h33
